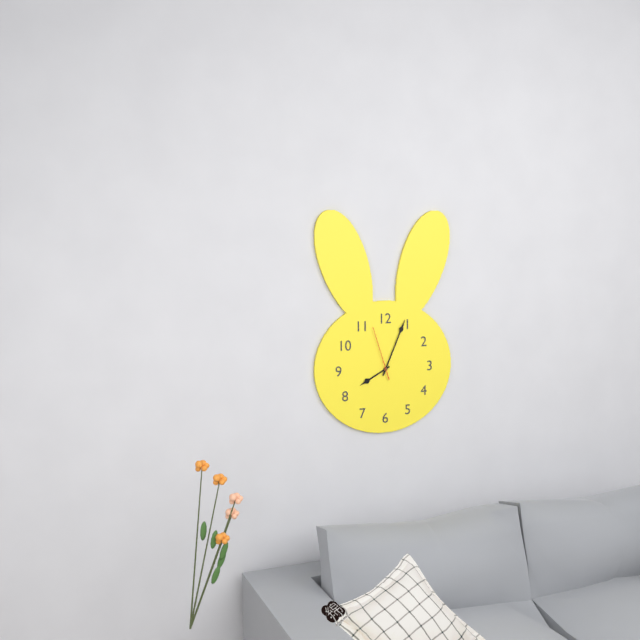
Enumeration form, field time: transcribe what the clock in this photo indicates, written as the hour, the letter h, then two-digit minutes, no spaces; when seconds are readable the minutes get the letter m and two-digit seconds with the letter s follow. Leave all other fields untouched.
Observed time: 8h04m57s
